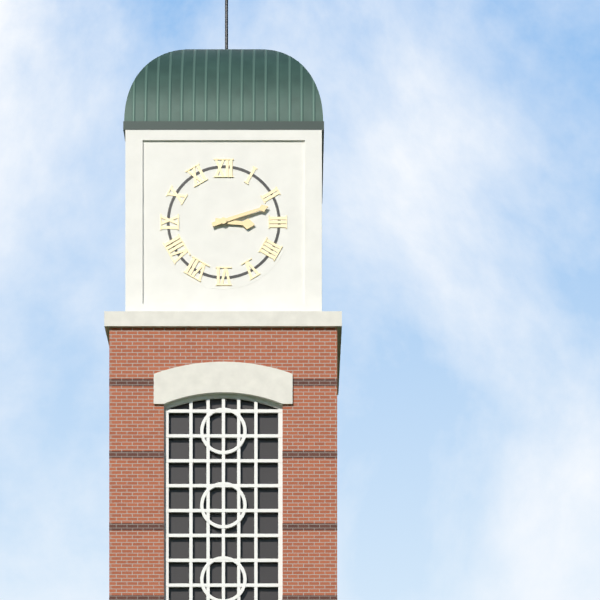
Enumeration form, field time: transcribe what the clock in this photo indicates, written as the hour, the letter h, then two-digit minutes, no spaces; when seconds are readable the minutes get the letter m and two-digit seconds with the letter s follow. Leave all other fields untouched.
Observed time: 3h12
